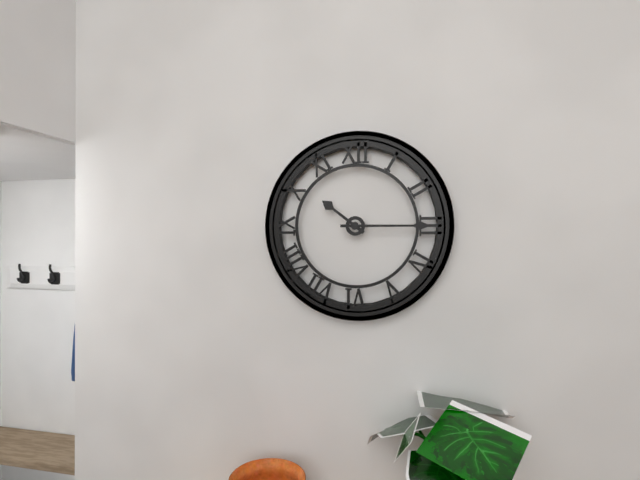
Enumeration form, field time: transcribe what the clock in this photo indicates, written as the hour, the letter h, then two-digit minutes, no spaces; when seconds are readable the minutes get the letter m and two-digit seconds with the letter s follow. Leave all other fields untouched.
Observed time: 10h15
